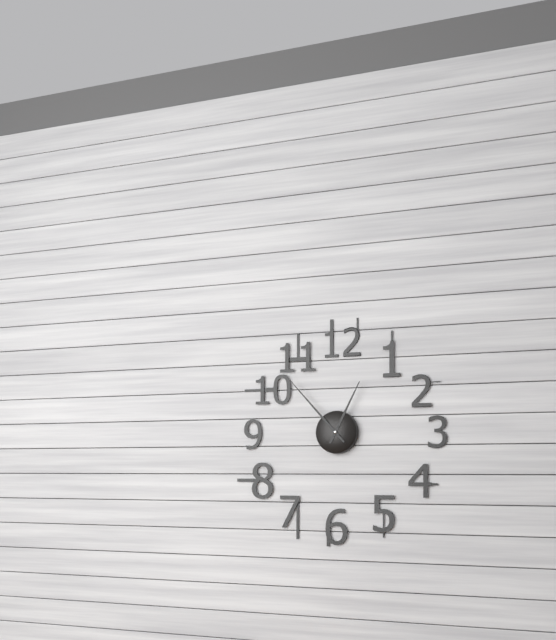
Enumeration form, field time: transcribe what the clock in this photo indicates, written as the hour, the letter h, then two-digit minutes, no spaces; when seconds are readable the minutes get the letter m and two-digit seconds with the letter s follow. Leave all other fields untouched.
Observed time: 12h53
